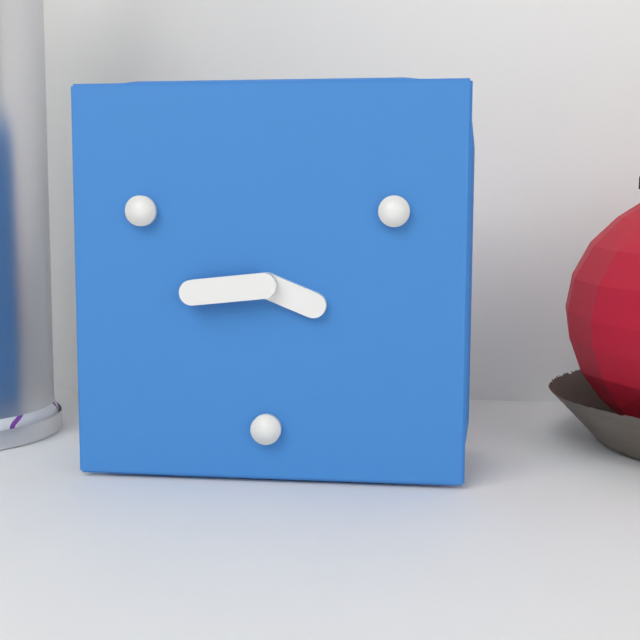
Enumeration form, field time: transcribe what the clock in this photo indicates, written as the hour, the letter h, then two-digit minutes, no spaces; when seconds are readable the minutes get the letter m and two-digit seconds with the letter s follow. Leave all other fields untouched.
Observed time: 3h44
